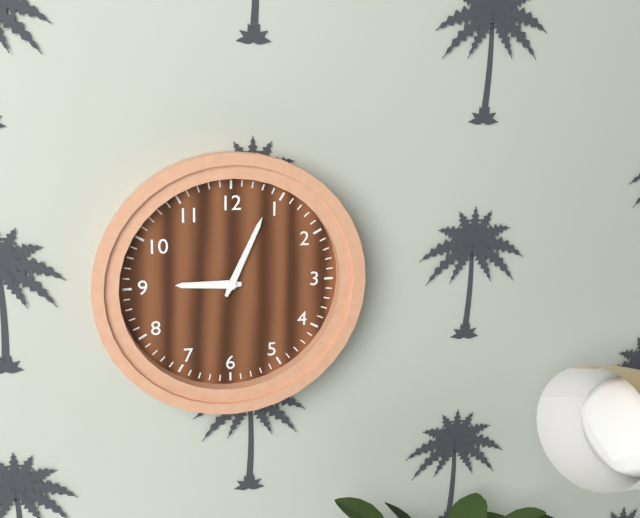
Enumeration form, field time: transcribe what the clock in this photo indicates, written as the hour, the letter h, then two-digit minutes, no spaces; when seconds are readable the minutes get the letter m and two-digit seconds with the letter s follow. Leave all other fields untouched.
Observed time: 9h04
